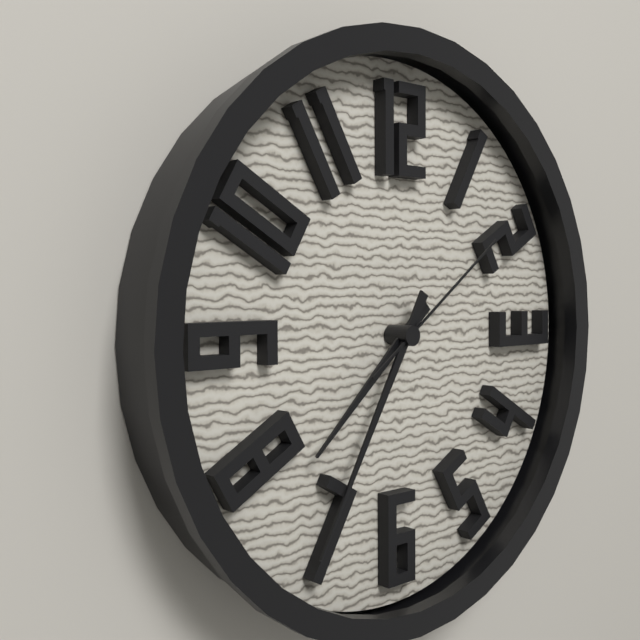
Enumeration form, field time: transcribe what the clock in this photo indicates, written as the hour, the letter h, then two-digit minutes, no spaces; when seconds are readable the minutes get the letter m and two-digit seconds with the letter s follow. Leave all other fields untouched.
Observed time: 7h35m09s
